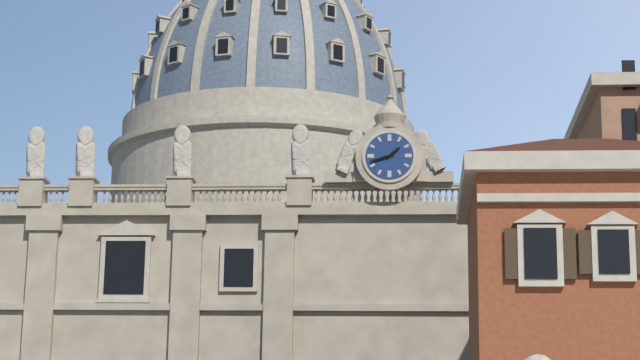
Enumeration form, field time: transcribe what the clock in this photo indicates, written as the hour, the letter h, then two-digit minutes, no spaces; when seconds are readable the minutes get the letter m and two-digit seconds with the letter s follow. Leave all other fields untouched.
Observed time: 1h42
